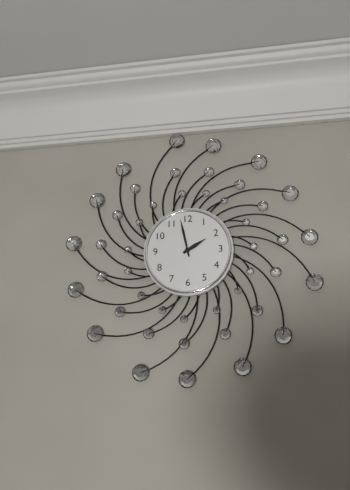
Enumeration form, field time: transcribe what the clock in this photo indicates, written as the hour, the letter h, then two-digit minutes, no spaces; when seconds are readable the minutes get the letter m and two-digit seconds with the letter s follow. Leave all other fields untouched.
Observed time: 1h58
